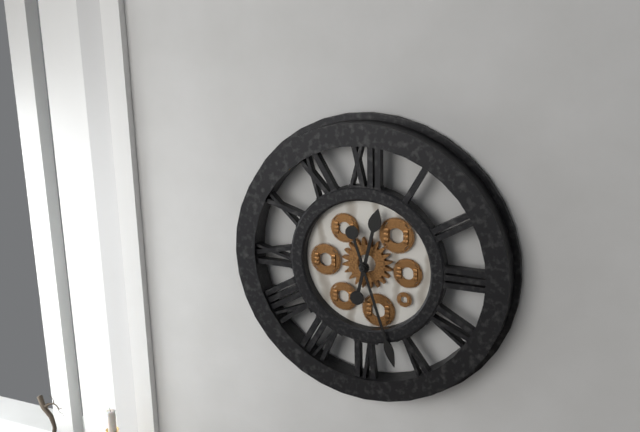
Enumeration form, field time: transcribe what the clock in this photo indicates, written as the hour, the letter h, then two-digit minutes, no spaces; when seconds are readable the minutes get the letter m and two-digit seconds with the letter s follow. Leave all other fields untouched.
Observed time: 12h27
